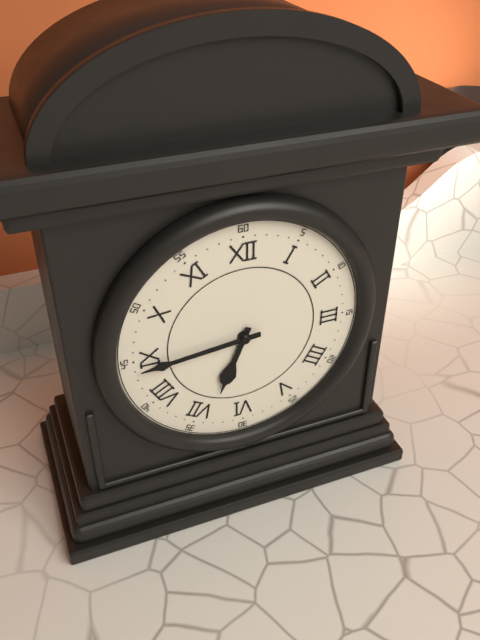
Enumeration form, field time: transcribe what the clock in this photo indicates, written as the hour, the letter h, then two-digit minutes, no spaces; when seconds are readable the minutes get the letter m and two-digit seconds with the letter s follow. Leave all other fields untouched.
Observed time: 6h44
